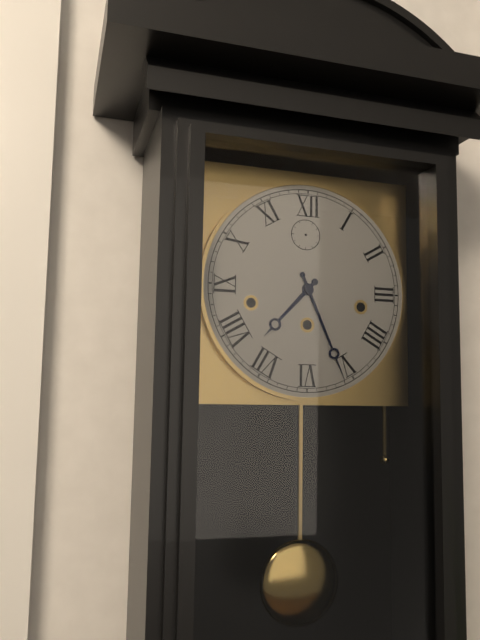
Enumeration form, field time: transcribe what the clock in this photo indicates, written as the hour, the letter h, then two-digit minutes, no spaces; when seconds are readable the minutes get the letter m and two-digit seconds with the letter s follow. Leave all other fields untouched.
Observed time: 7h26
